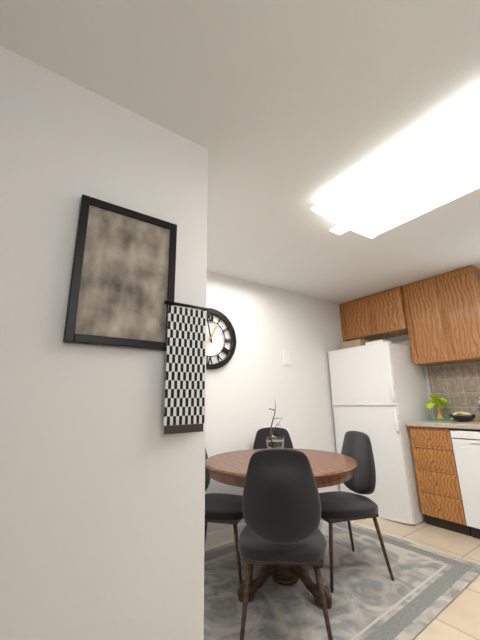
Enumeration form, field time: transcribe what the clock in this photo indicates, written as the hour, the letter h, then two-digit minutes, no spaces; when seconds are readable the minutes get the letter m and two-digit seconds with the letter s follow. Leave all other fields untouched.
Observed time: 12h58
